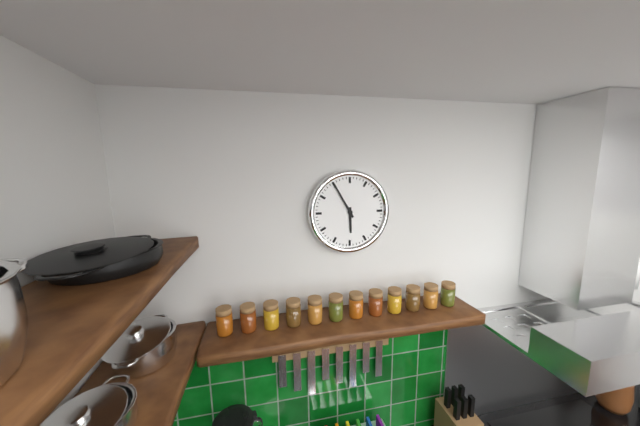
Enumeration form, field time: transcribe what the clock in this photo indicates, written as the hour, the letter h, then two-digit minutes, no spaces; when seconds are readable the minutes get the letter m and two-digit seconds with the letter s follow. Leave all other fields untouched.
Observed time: 5h55
